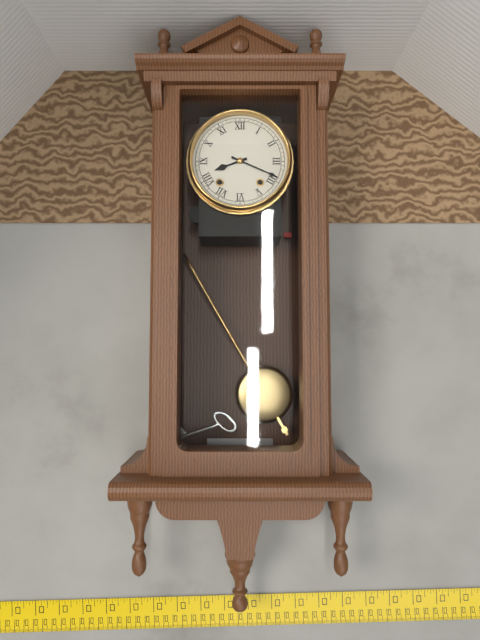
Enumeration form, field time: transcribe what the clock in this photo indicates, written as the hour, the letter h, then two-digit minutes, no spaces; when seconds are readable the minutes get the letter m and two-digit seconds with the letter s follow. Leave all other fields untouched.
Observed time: 8h19
